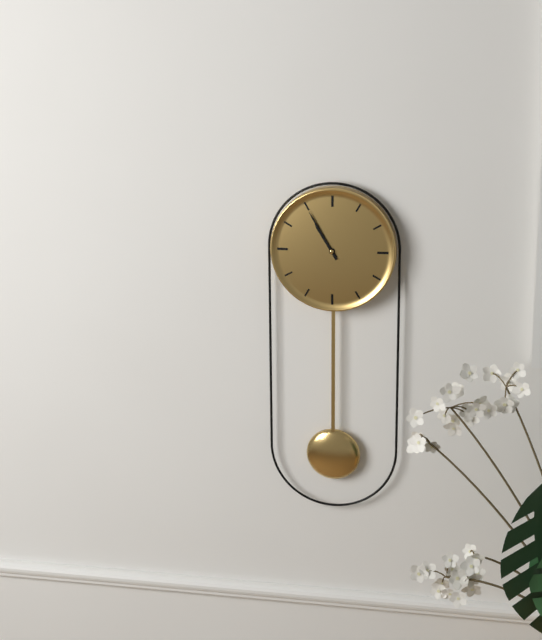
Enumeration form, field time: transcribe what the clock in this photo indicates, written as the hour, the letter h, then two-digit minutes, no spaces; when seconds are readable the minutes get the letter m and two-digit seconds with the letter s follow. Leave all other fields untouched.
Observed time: 10h55
